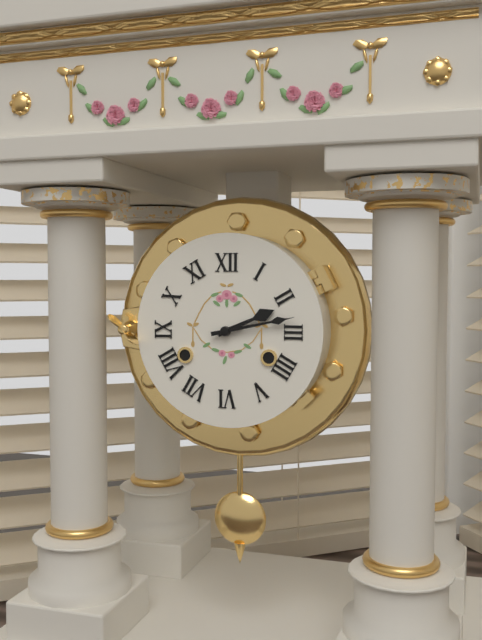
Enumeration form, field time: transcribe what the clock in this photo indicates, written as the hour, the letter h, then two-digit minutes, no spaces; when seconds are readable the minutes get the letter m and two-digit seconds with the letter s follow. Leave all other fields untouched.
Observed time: 2h13
